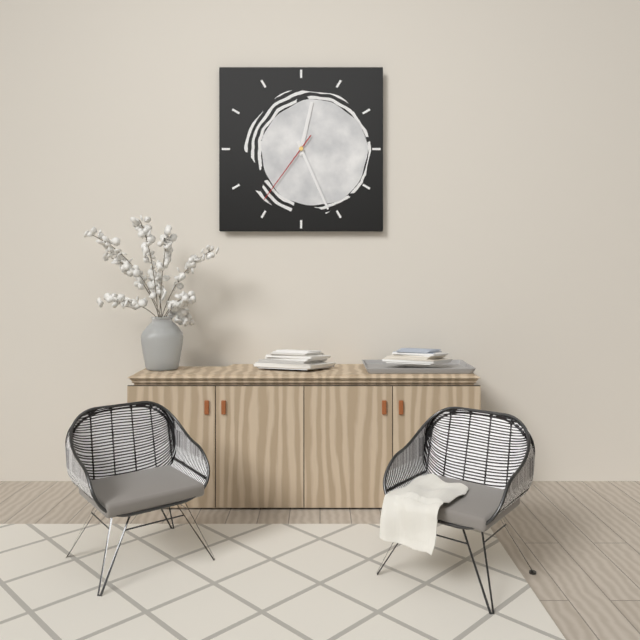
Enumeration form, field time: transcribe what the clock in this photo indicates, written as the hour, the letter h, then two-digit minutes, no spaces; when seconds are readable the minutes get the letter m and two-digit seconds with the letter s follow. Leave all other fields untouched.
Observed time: 12h26m36s
